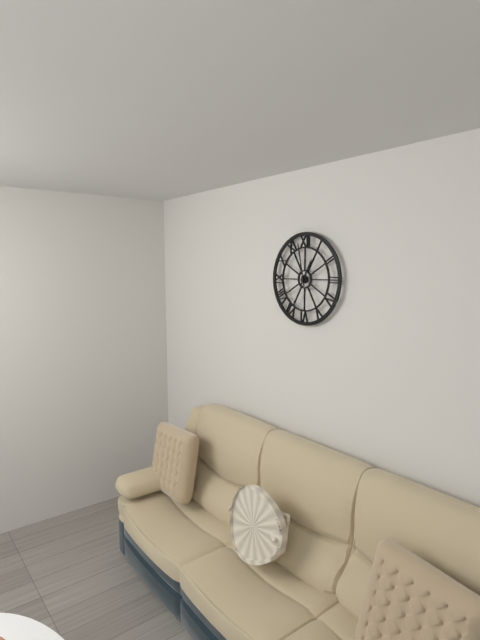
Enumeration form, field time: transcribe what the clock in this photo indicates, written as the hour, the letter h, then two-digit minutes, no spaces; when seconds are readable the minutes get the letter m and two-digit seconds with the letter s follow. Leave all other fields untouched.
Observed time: 12h58
